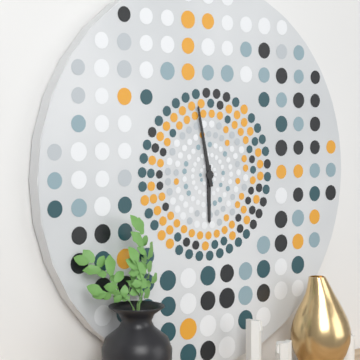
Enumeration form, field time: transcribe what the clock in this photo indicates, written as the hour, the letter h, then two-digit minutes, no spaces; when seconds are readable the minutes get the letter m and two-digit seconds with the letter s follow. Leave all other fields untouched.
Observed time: 5h58
